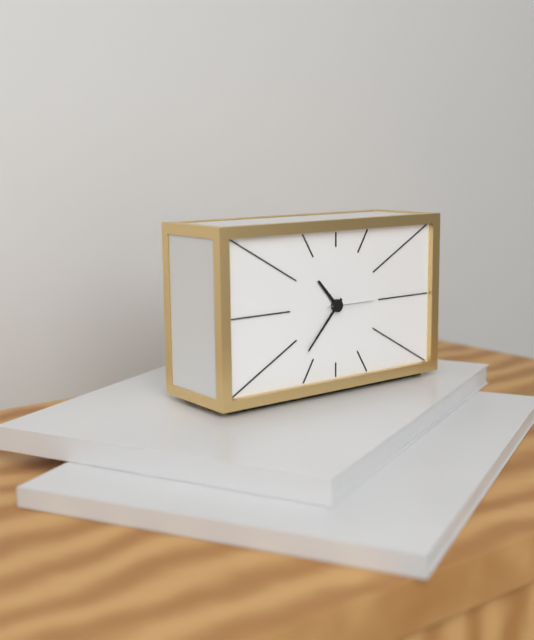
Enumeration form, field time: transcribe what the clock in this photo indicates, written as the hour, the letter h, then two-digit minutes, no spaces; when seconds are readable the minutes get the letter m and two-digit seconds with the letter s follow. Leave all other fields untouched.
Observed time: 10h37
